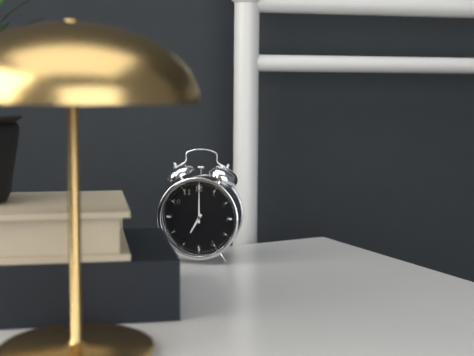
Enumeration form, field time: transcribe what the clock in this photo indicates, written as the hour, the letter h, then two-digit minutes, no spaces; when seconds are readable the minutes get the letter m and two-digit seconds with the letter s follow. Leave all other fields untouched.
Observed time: 7h00
